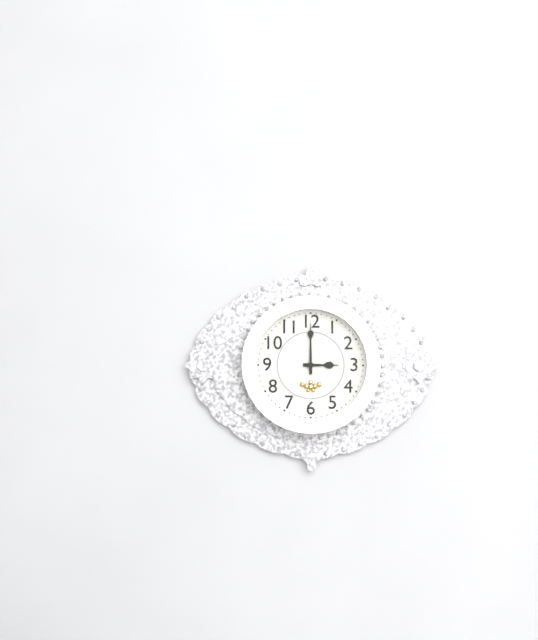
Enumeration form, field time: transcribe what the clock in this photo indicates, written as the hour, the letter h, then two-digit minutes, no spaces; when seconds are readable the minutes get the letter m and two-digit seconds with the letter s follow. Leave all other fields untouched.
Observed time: 3h00
